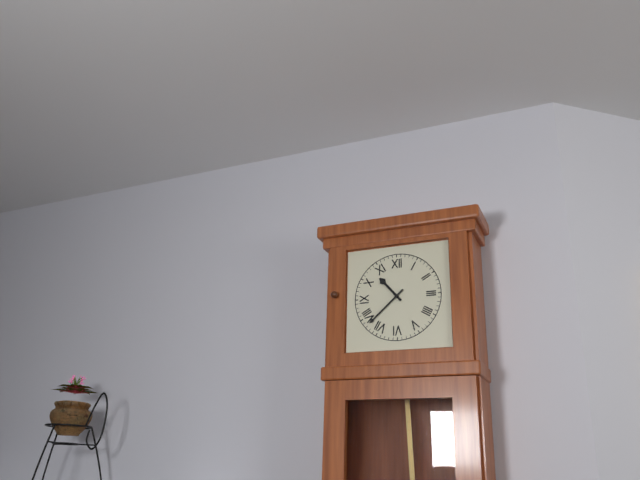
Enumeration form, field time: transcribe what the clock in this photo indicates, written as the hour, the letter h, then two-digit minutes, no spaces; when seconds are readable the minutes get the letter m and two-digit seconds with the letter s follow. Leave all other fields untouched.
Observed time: 10h38
